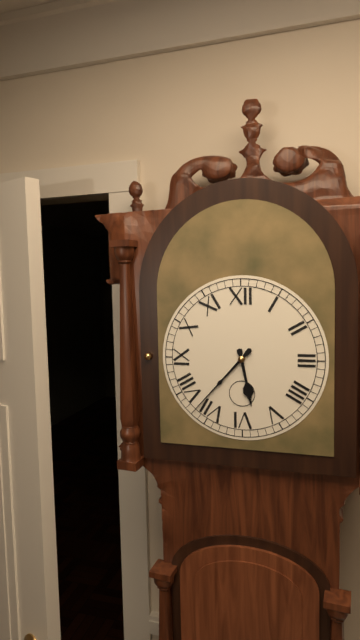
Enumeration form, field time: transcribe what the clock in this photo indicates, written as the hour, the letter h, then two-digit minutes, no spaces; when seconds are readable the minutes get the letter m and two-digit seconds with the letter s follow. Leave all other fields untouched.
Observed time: 5h37
